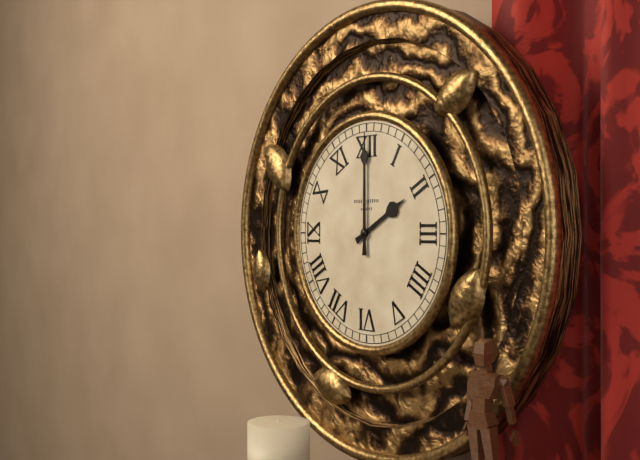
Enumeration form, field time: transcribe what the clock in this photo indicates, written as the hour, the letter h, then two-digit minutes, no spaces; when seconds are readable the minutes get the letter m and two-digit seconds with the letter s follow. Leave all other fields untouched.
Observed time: 2h00
